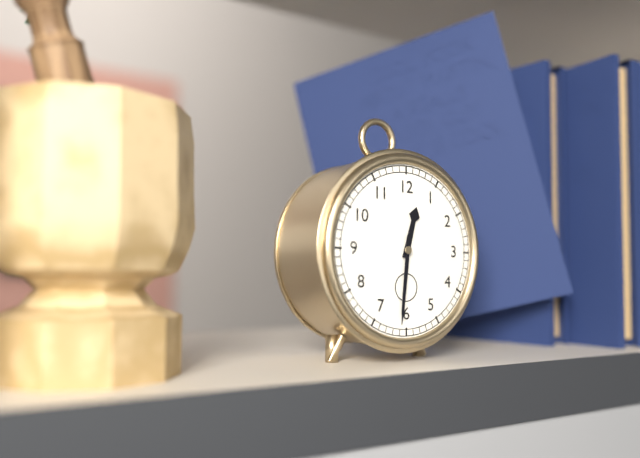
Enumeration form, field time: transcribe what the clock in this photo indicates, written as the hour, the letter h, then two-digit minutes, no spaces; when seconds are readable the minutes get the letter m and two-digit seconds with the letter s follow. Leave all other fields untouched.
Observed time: 12h31
